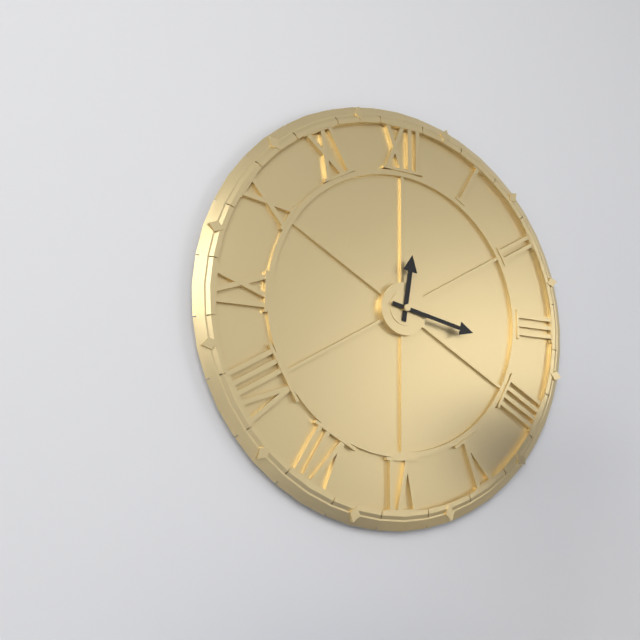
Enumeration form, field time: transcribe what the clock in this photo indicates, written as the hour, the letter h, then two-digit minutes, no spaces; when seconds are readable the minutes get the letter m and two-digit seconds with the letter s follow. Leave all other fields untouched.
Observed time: 12h17
